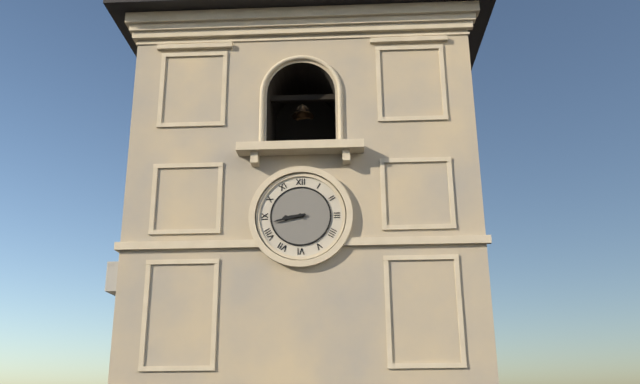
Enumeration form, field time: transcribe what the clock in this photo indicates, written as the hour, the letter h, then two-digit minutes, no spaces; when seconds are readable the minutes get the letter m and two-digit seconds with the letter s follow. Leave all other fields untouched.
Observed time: 8h43
